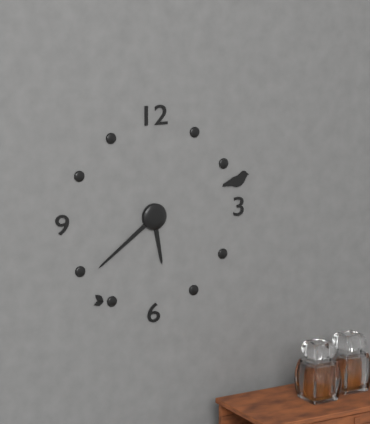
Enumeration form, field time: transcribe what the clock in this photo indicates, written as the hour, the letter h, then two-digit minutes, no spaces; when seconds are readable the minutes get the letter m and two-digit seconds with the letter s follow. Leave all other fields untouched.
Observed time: 5h39
